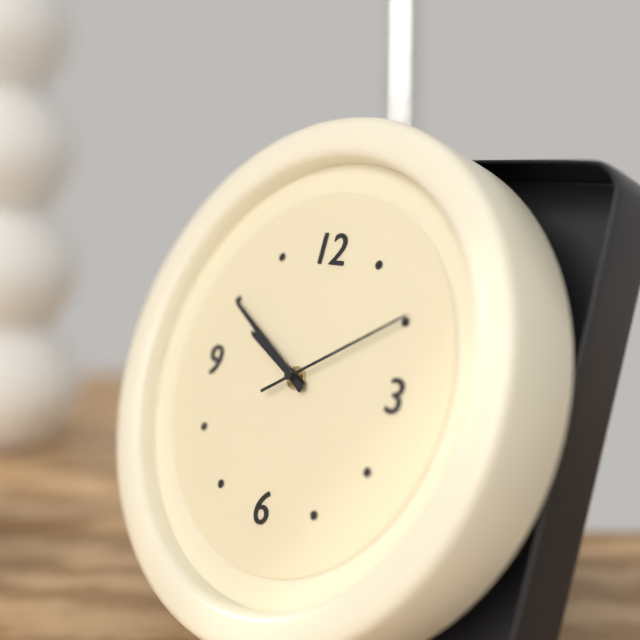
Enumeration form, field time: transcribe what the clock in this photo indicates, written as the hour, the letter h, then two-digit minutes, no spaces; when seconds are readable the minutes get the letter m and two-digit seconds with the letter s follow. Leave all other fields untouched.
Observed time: 9h50m10s
